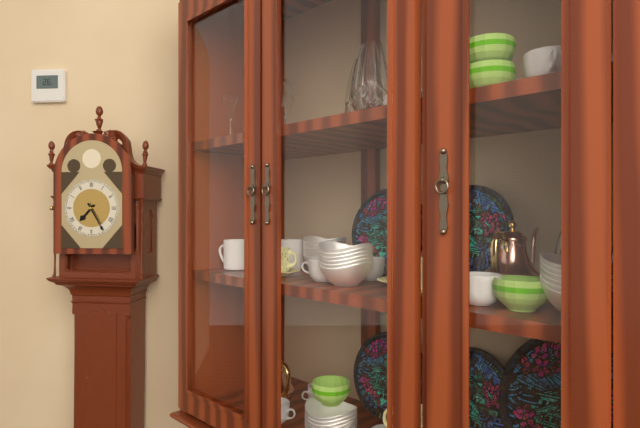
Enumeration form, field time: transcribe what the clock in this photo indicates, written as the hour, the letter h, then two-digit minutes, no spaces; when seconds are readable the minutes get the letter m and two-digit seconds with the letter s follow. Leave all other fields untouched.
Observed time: 7h25
